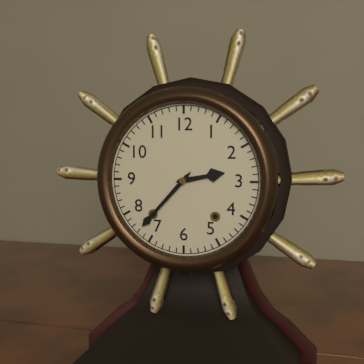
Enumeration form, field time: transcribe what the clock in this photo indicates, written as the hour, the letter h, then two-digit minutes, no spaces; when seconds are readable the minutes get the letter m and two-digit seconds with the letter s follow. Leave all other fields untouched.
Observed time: 2h37
